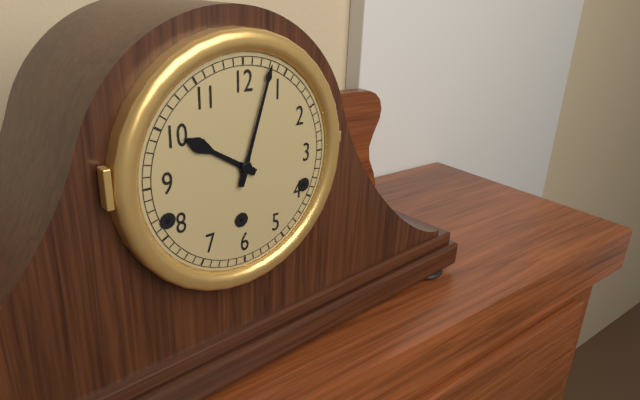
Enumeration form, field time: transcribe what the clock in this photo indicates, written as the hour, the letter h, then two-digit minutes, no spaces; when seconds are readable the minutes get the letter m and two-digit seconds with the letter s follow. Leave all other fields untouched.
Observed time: 10h03
